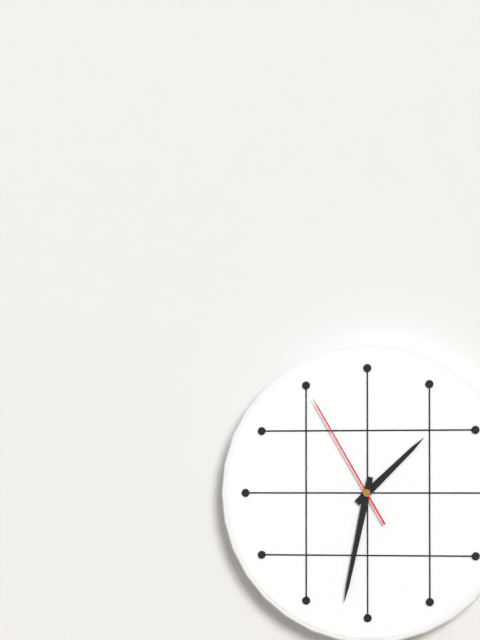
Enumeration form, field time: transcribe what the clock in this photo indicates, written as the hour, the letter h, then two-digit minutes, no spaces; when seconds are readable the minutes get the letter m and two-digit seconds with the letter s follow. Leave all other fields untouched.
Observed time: 1h32m55s
